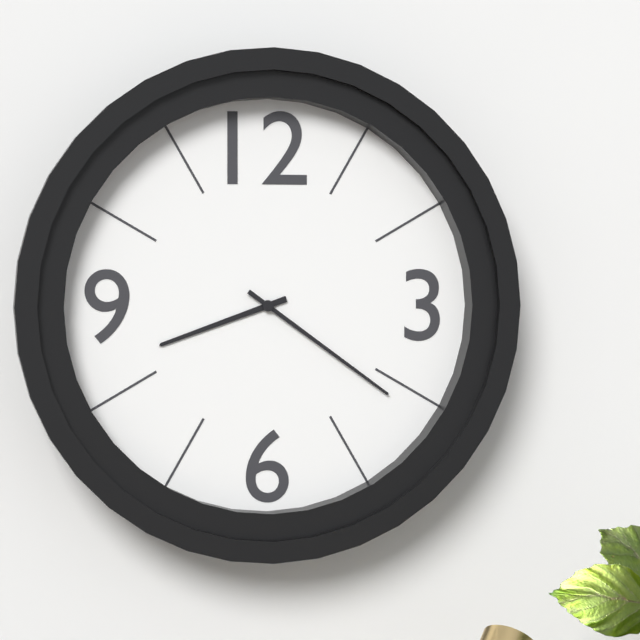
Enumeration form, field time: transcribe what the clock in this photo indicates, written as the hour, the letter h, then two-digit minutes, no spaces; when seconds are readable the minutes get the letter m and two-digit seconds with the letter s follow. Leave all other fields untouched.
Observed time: 8h21
